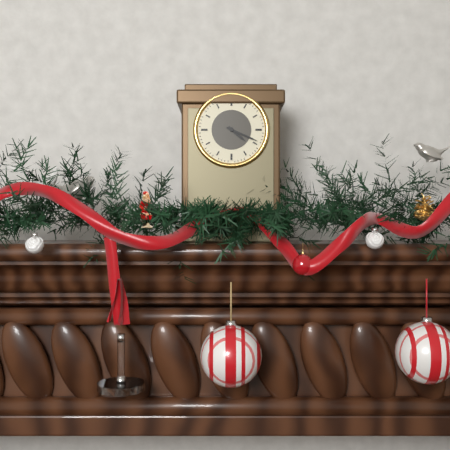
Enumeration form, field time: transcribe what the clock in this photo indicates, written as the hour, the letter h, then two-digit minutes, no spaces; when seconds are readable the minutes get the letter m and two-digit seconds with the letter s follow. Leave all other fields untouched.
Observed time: 4h19
